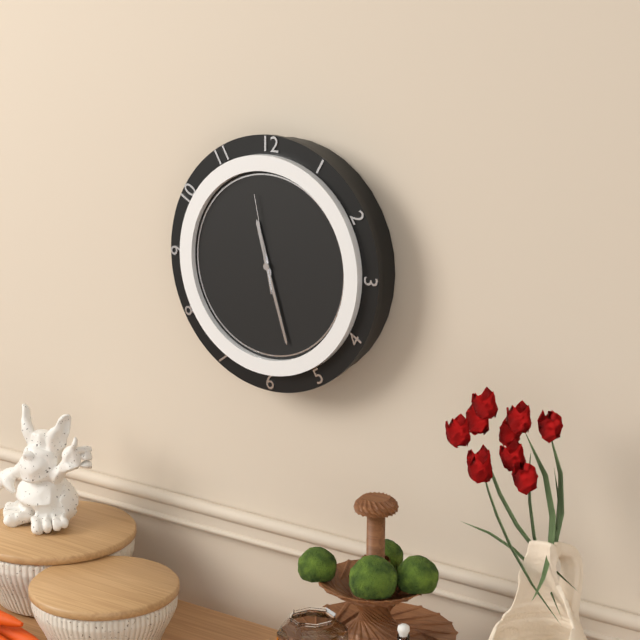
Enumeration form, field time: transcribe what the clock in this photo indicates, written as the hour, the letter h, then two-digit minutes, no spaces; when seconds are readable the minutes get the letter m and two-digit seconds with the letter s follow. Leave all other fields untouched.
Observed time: 11h27m58s
